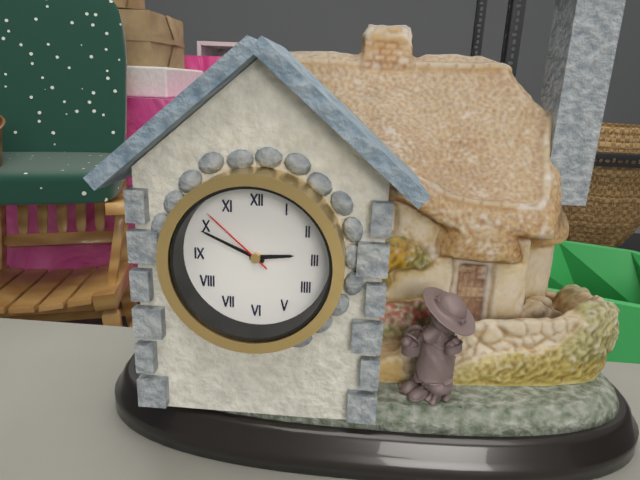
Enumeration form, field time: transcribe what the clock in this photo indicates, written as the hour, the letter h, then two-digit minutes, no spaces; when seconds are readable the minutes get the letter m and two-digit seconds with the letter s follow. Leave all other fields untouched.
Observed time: 2h49m52s
